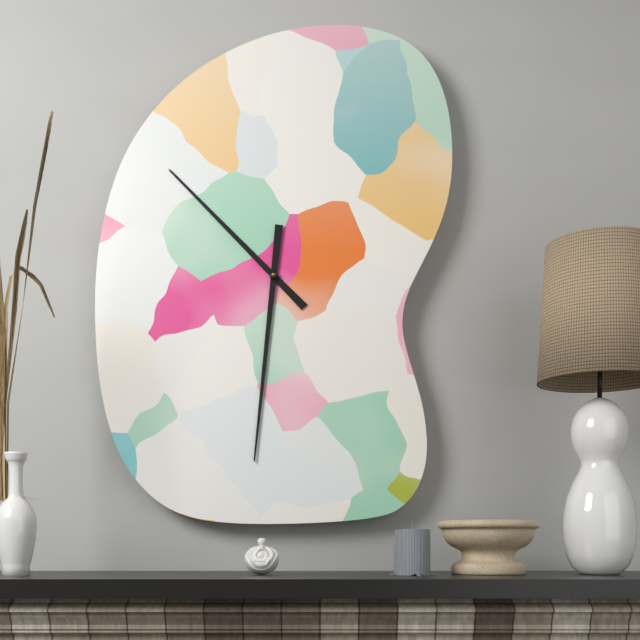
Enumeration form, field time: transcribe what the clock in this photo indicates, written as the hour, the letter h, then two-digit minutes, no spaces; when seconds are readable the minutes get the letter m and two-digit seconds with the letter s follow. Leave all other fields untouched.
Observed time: 10h31
